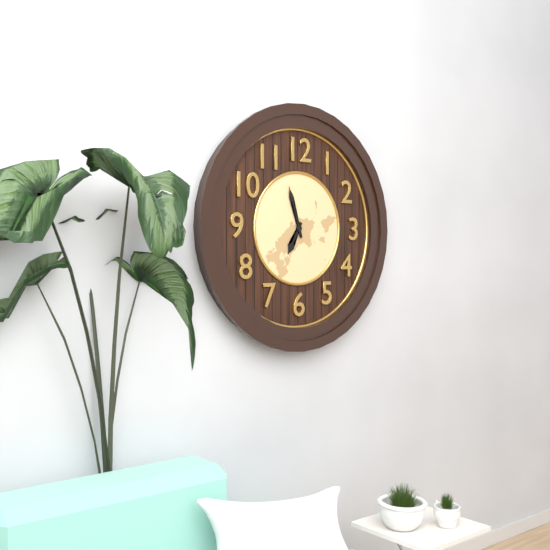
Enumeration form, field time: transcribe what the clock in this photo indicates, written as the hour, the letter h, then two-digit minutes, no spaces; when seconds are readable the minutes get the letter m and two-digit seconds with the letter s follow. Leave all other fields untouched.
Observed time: 6h57
